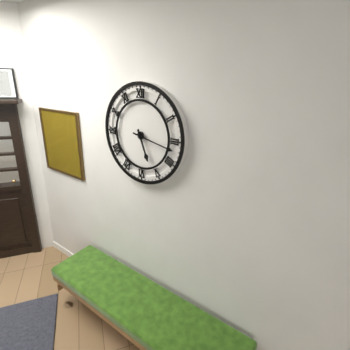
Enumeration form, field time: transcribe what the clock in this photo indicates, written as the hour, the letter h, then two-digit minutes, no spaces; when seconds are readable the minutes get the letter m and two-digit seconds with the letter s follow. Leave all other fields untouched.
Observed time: 5h17
